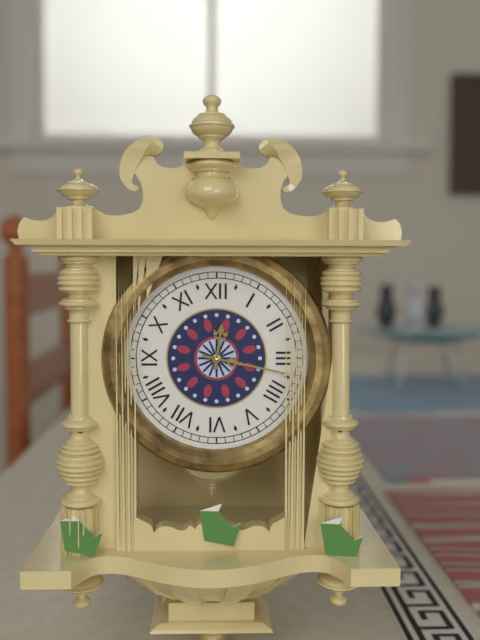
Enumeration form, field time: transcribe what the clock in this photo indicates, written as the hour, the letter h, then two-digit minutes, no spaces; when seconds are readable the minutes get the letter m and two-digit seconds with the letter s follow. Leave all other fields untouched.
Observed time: 12h17
